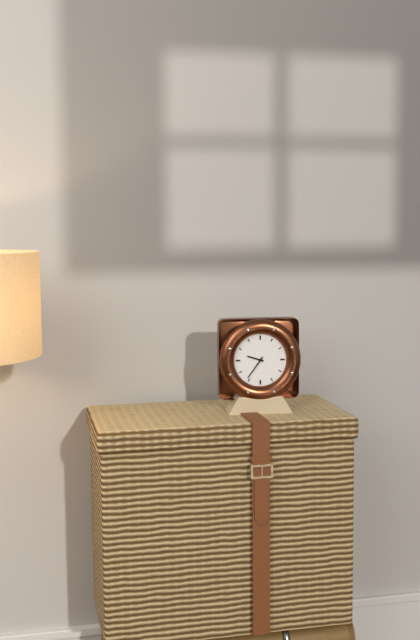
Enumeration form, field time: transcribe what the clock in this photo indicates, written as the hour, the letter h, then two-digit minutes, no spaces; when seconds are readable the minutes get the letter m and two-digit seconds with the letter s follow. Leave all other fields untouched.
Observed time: 9h36
